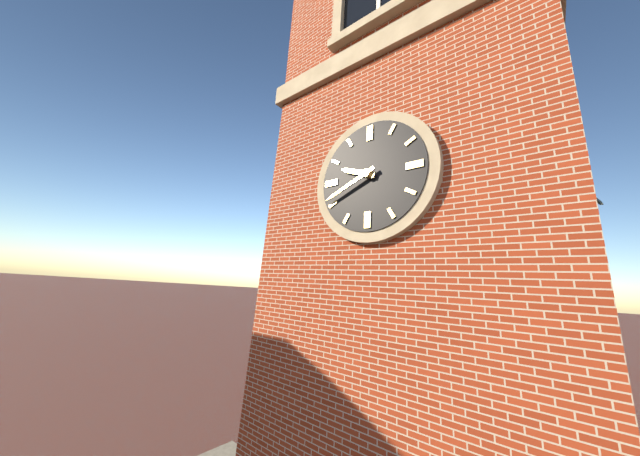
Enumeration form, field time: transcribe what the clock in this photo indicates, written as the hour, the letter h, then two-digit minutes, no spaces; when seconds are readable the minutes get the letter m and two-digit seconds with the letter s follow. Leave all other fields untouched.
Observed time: 9h41
